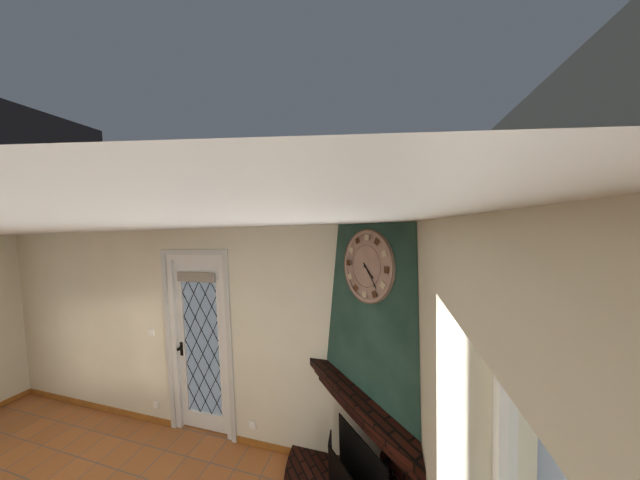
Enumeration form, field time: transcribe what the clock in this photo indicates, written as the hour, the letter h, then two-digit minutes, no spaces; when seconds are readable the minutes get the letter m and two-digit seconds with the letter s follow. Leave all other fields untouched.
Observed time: 4h23
